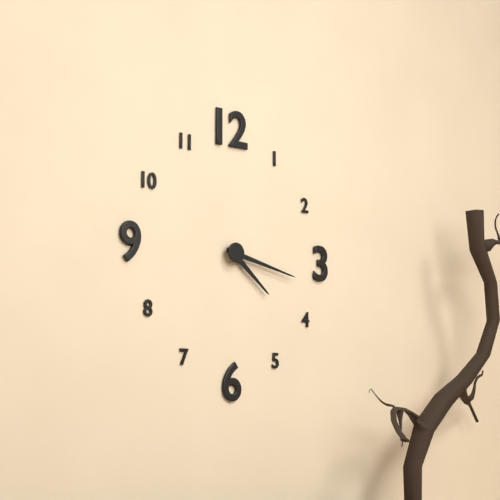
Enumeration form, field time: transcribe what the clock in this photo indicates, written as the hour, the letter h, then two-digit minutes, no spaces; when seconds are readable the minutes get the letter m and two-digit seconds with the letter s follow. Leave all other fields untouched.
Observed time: 4h17
